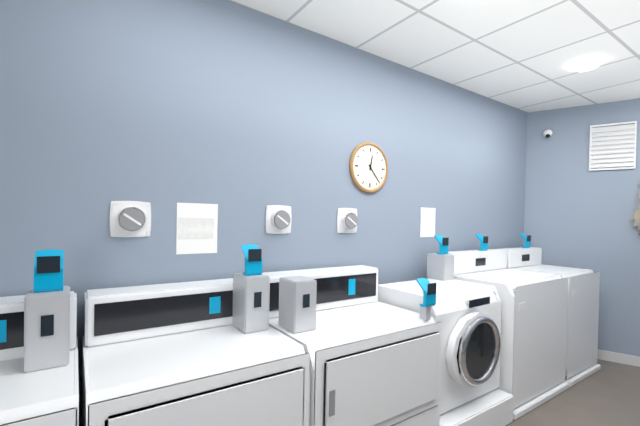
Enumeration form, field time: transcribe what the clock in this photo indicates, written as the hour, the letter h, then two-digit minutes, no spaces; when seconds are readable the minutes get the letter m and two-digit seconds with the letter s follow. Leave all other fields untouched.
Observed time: 12h23
